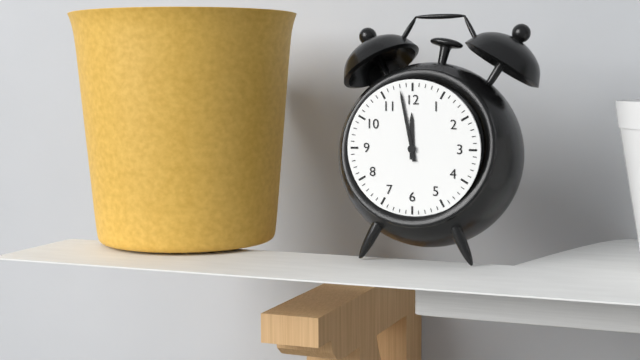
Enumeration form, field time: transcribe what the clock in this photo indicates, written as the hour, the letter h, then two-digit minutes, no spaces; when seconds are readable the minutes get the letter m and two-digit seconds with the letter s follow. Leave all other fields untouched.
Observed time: 11h58
